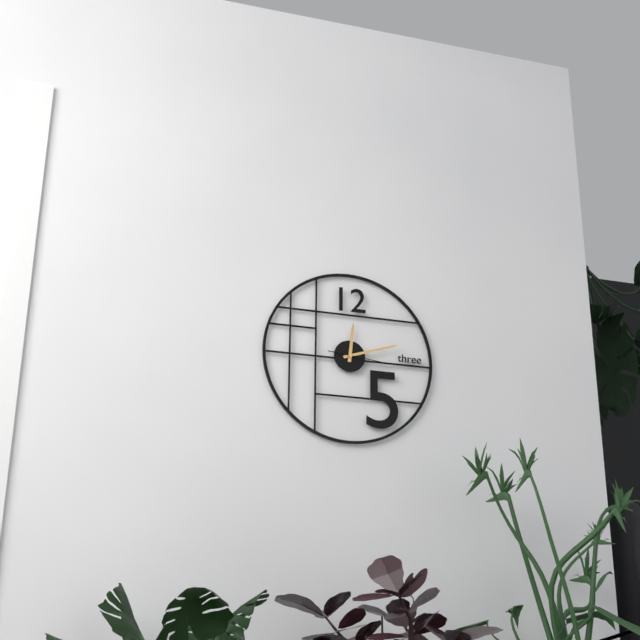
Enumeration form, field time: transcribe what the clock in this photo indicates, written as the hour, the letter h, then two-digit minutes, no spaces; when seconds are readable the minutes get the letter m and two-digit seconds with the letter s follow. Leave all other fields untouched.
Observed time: 12h12m16s
